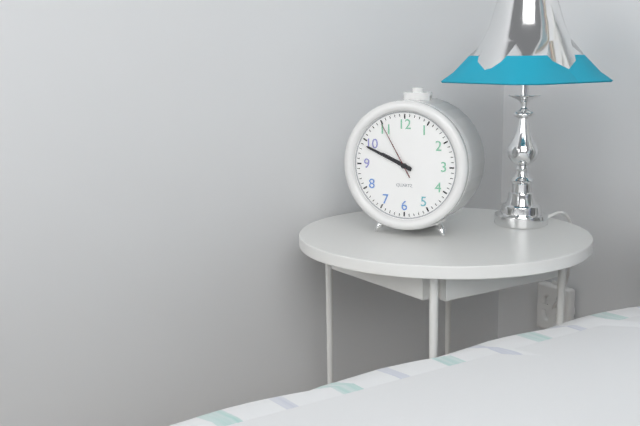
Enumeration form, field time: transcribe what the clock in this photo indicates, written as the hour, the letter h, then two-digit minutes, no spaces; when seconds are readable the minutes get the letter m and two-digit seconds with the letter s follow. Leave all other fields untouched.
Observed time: 9h49m55s
